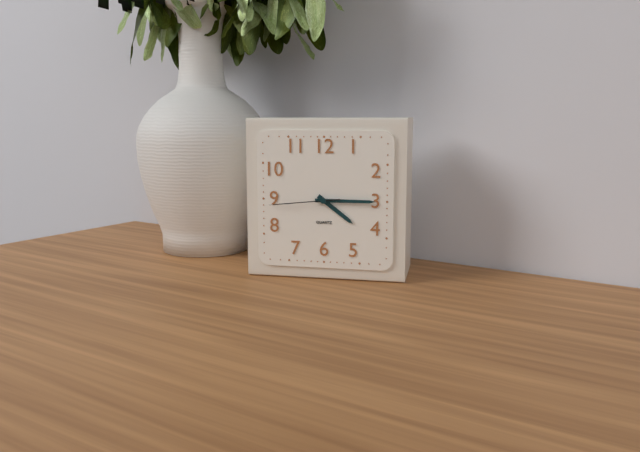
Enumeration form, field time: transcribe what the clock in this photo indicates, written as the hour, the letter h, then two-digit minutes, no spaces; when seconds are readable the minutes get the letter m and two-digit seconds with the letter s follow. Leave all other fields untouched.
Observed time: 4h15m44s
